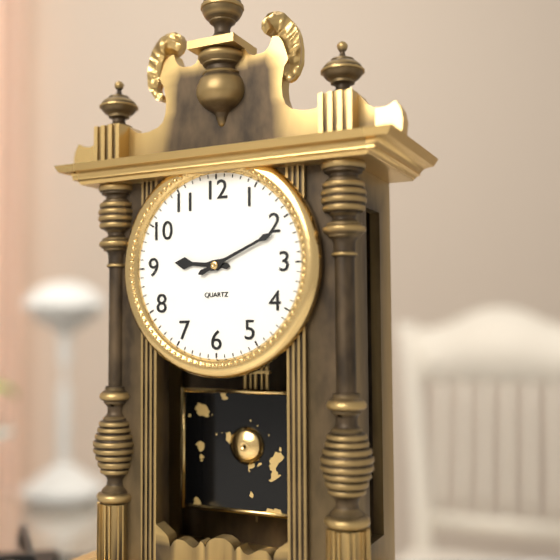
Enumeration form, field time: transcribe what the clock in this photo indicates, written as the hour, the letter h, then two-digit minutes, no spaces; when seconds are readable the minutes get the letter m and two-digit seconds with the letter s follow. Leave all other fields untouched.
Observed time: 9h11
